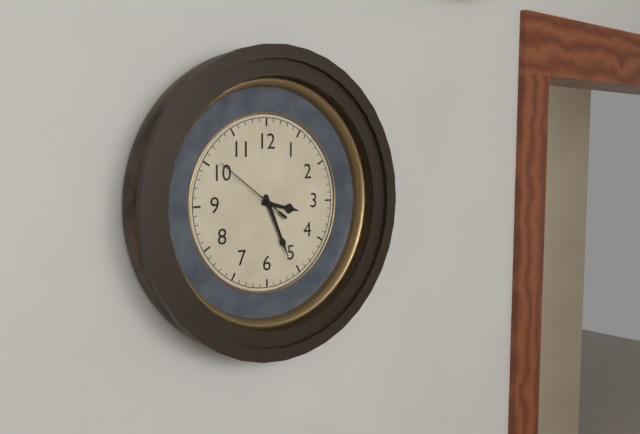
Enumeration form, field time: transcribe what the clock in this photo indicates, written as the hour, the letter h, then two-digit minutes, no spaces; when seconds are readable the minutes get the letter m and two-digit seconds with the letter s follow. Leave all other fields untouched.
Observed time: 3h26m51s
